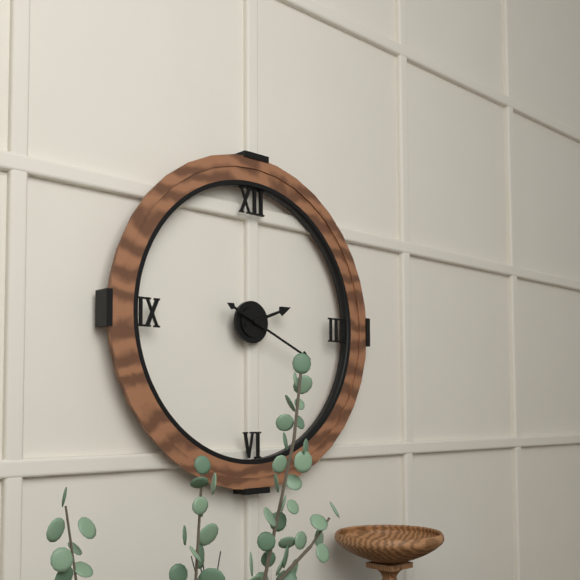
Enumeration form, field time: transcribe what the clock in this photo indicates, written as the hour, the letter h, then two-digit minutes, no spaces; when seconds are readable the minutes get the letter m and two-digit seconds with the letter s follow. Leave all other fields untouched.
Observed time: 2h19
